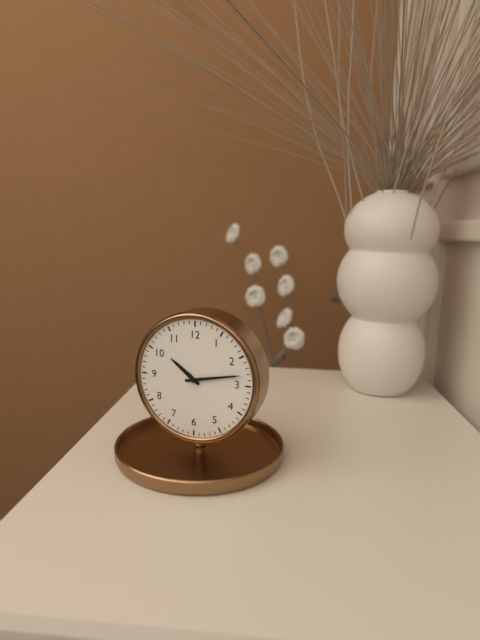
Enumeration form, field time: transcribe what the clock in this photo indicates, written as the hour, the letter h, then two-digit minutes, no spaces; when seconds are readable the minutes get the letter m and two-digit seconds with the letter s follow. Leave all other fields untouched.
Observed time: 10h13
